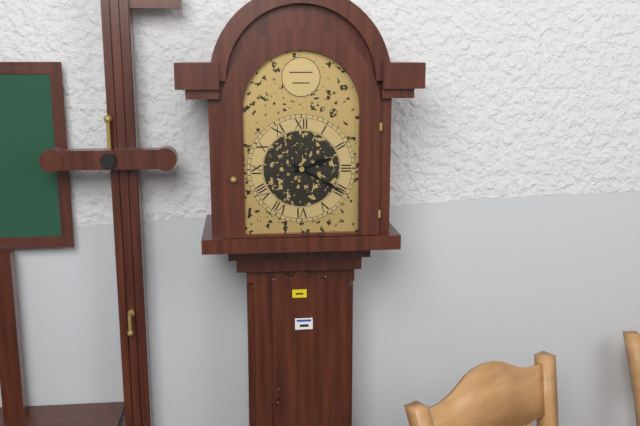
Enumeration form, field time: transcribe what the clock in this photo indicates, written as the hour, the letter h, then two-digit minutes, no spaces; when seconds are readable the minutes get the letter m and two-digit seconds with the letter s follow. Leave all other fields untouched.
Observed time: 2h20
